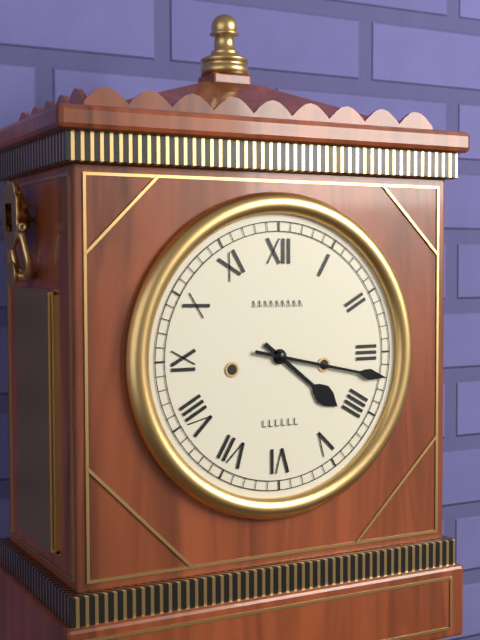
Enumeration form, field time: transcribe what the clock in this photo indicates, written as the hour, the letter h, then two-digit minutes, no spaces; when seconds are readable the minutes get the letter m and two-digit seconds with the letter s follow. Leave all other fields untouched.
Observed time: 4h17
